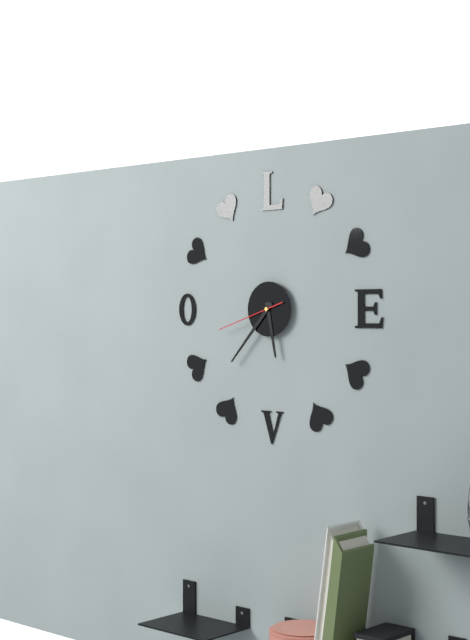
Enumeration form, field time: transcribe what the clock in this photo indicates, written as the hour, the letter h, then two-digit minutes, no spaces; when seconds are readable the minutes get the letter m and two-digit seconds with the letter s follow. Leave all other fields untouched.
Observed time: 5h37m42s
